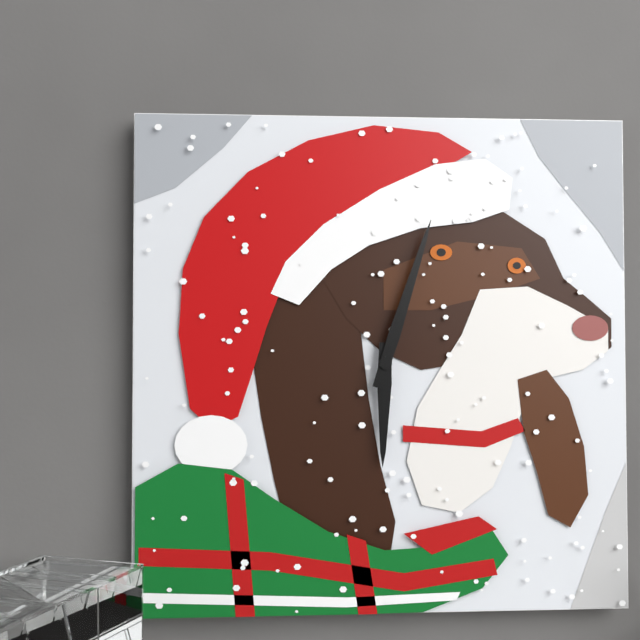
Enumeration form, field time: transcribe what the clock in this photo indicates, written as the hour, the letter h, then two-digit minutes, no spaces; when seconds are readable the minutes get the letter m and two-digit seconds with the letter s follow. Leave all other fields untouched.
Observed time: 6h03
